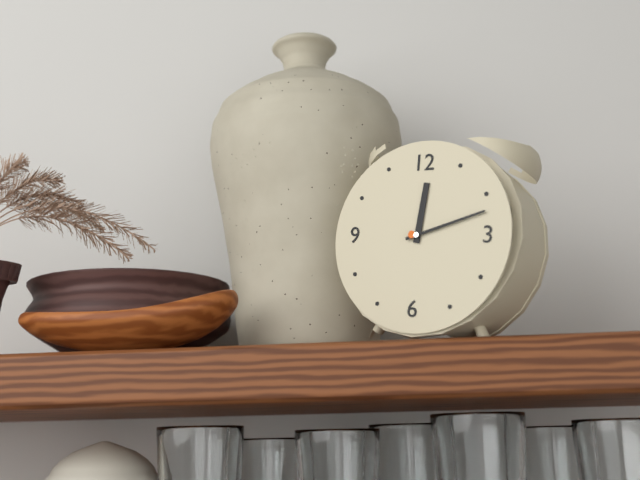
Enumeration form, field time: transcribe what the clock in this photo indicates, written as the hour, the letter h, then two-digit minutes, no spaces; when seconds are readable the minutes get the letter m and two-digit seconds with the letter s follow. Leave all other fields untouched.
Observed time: 12h12
